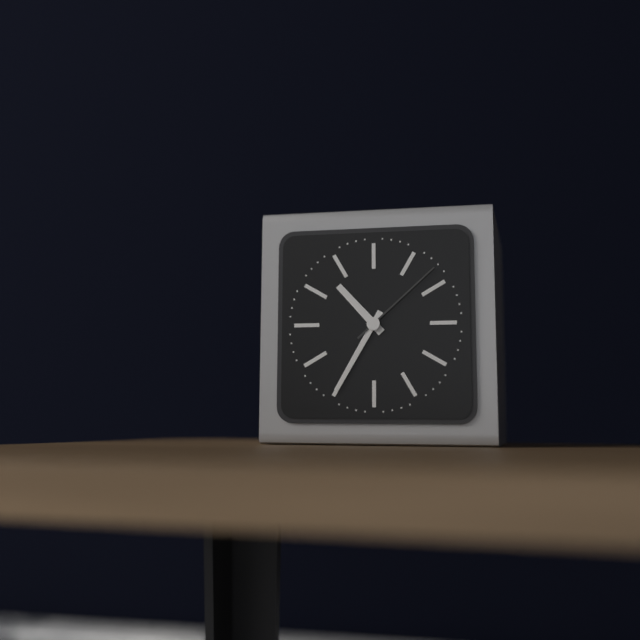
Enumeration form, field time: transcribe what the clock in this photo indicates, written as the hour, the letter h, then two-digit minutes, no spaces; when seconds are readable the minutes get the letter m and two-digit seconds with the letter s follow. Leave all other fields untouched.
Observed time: 10h35m08s
